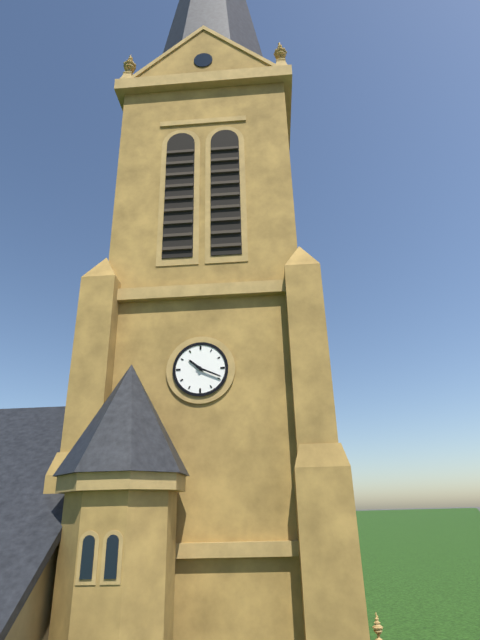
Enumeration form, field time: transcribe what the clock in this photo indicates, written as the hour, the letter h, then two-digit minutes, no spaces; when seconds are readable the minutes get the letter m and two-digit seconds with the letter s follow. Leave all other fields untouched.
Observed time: 10h19
